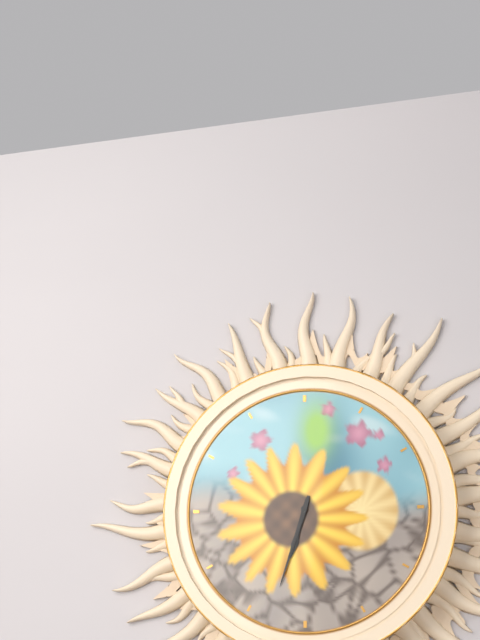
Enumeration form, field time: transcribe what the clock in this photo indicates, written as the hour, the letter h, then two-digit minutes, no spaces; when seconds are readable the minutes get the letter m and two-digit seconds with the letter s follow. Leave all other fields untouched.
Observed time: 6h33
